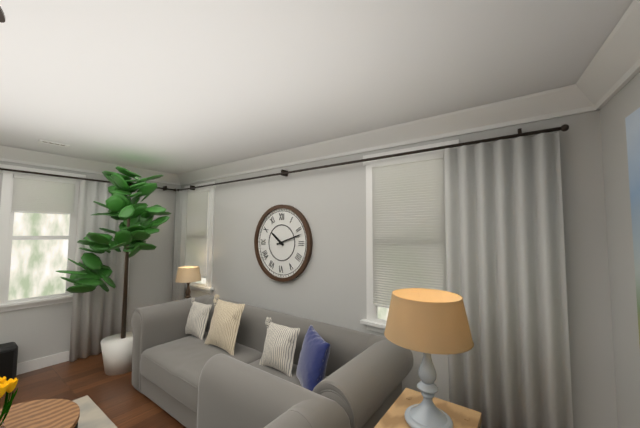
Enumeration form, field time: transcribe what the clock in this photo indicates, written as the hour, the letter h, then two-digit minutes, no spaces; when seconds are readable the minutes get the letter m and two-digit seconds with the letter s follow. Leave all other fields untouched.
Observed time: 10h12
